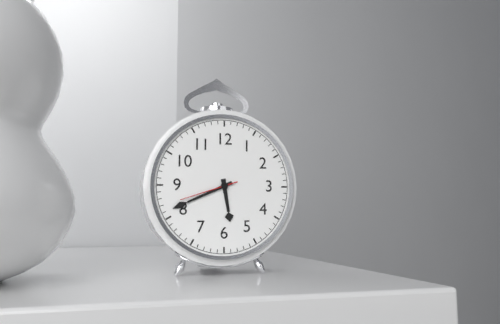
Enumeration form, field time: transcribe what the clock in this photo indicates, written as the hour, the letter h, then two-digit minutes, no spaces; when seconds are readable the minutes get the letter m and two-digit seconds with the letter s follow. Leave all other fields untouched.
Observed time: 5h41m42s
